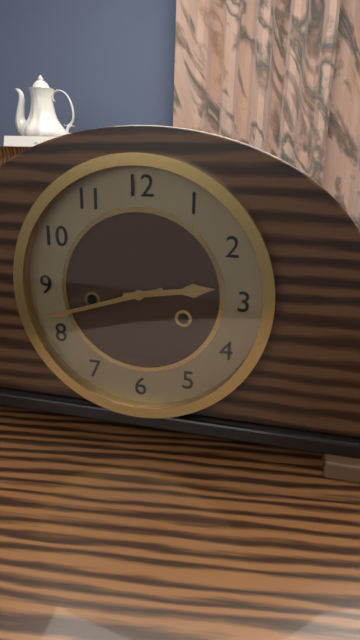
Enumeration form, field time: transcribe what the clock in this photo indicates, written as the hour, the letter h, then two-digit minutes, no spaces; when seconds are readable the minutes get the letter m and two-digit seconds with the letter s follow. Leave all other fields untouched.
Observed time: 2h42
